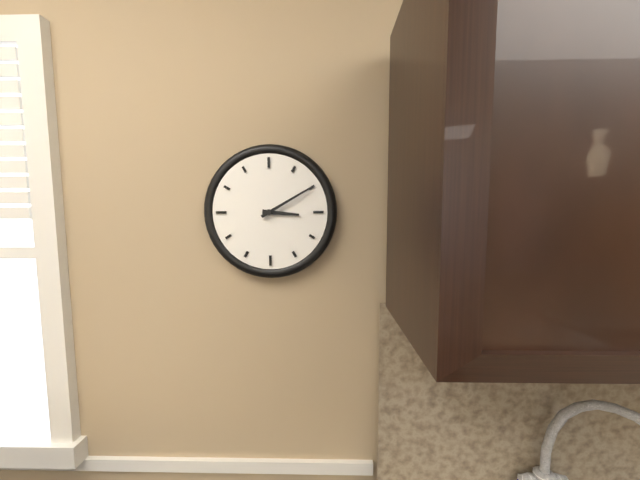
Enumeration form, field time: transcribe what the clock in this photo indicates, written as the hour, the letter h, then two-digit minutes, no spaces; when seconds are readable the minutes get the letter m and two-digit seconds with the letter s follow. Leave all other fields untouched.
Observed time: 3h10
